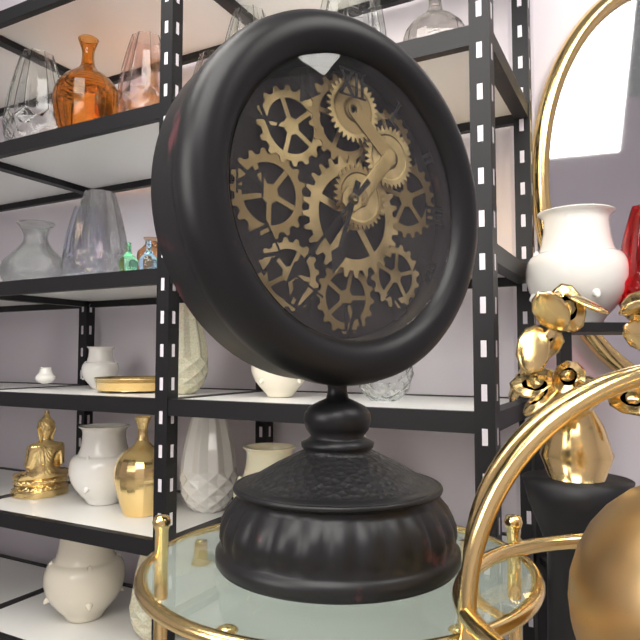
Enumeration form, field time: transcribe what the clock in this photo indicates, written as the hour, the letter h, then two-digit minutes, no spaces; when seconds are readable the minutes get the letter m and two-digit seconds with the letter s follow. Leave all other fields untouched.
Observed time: 6h37
